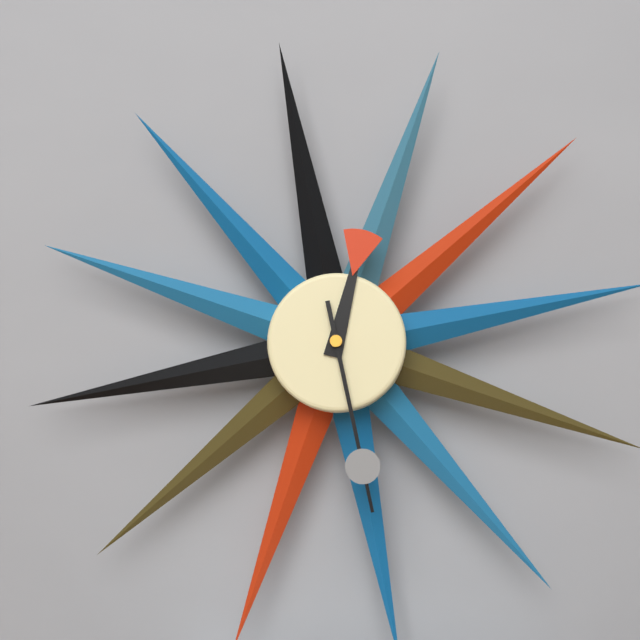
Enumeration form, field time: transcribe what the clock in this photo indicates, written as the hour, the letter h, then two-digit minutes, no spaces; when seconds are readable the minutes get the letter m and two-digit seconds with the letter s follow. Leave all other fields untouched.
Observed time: 12h28
